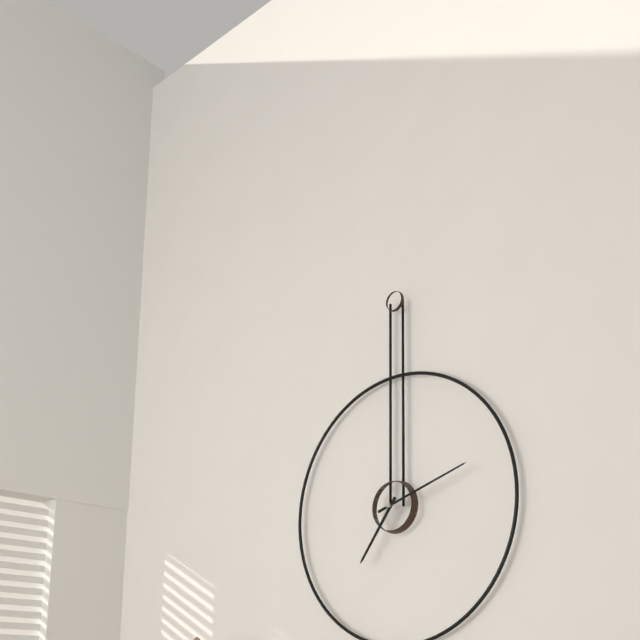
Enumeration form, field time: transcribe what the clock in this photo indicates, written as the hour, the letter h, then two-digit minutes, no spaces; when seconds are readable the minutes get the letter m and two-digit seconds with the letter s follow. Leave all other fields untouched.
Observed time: 7h12
